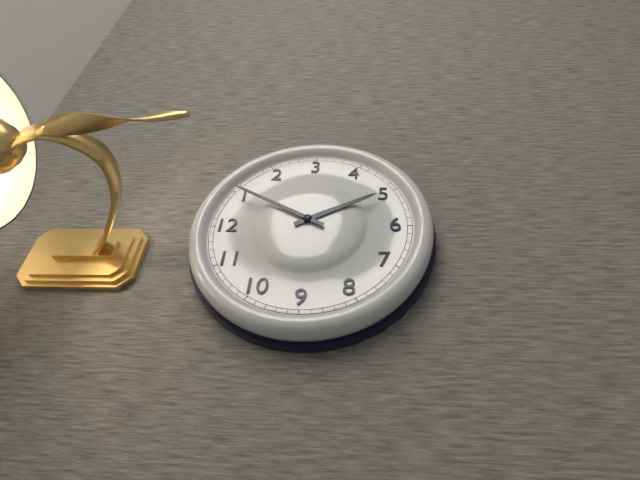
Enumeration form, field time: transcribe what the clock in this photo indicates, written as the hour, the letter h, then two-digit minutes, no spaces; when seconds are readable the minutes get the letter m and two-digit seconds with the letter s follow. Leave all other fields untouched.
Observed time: 5h05
